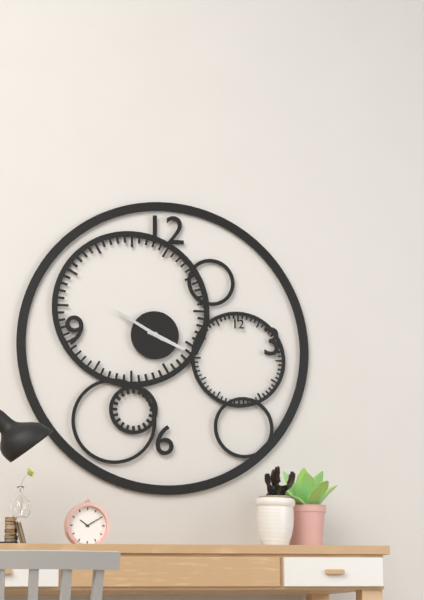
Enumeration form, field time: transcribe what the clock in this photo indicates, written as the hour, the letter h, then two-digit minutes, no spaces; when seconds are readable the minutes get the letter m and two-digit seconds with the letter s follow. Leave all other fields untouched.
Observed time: 3h50
